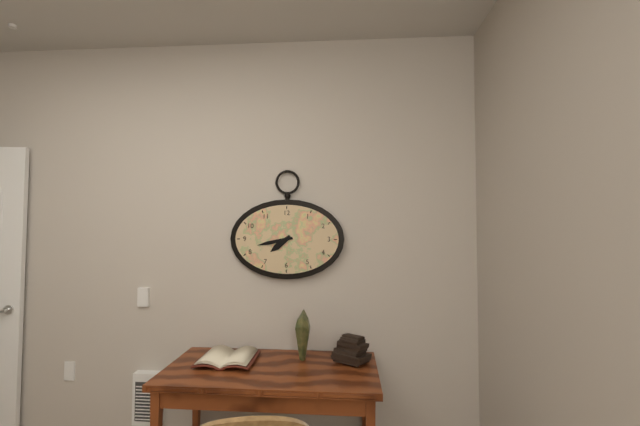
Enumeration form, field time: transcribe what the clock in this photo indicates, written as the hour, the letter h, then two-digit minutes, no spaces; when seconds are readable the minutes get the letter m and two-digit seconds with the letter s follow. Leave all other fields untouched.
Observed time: 7h43
